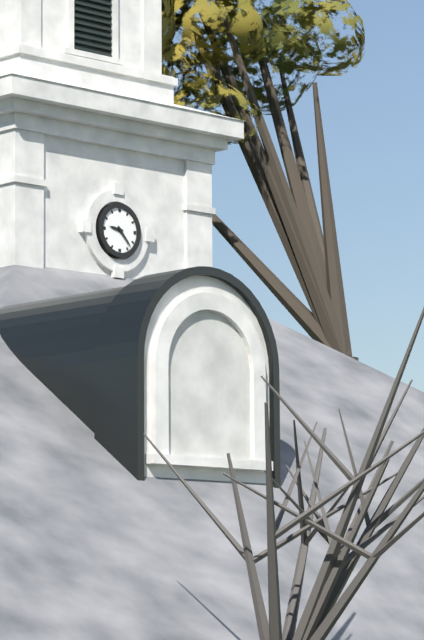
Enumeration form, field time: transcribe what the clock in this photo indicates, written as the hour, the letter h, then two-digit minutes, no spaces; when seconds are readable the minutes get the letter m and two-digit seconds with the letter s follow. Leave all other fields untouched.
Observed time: 9h23
